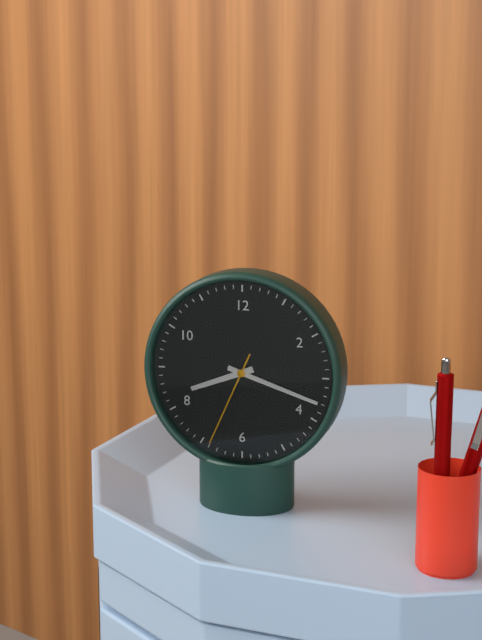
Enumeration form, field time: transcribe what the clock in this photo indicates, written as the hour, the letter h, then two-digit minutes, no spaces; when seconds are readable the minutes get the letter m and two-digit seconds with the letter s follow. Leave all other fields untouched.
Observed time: 8h18m34s
